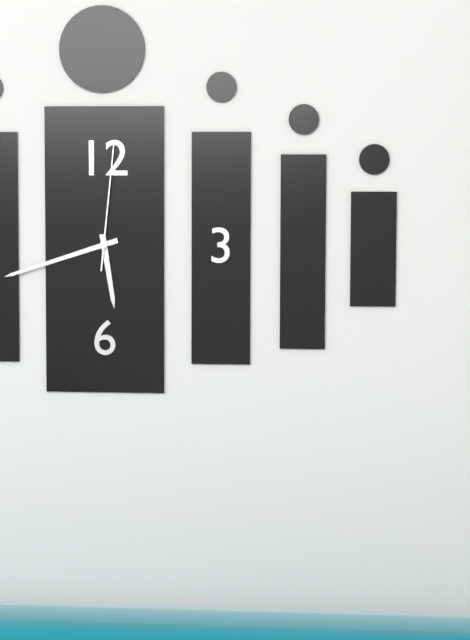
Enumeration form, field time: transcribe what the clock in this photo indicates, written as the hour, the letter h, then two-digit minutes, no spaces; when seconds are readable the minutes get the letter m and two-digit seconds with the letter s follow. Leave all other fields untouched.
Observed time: 5h42m01s
